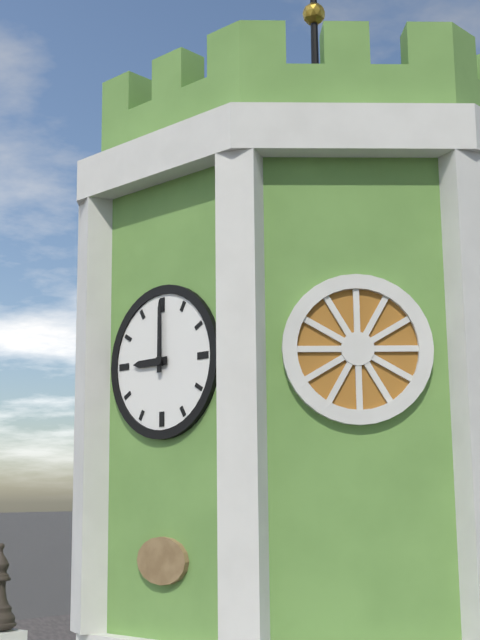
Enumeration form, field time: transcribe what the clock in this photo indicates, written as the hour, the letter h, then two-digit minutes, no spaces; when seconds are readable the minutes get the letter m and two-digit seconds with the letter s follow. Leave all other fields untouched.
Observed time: 9h00
